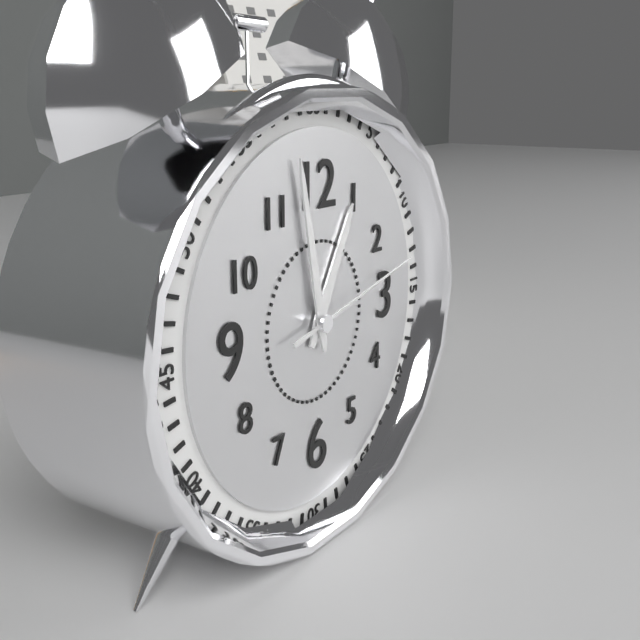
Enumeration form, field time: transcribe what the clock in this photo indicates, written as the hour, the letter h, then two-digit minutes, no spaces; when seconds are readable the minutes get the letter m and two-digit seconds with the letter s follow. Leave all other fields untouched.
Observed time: 12h58m13s
